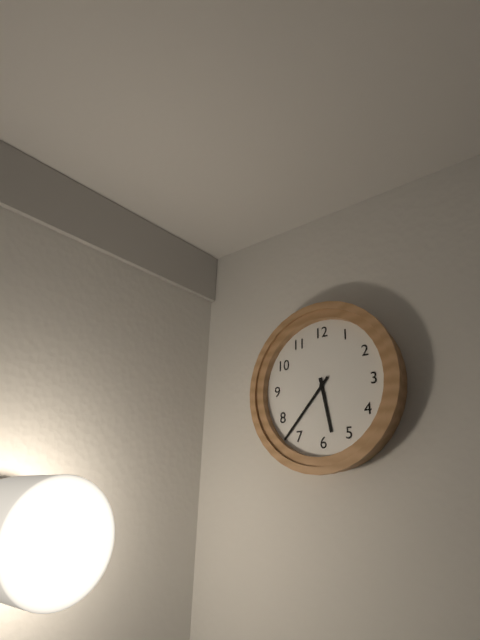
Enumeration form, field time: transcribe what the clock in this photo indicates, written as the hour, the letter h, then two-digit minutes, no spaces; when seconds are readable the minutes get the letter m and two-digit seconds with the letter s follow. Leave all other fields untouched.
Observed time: 5h37
